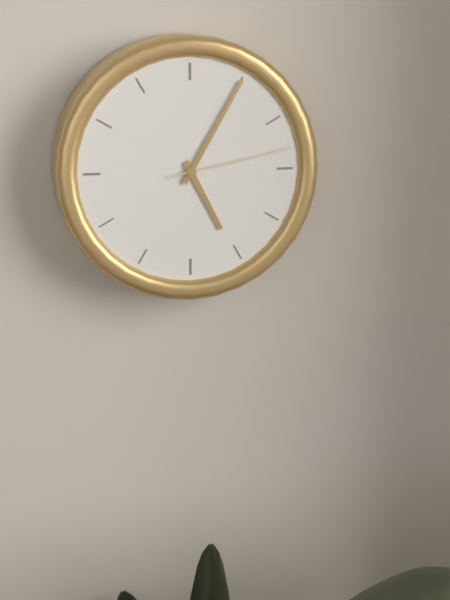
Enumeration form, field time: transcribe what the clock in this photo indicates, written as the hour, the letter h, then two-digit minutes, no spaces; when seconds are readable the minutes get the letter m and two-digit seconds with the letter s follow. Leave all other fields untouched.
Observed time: 5h05m13s
